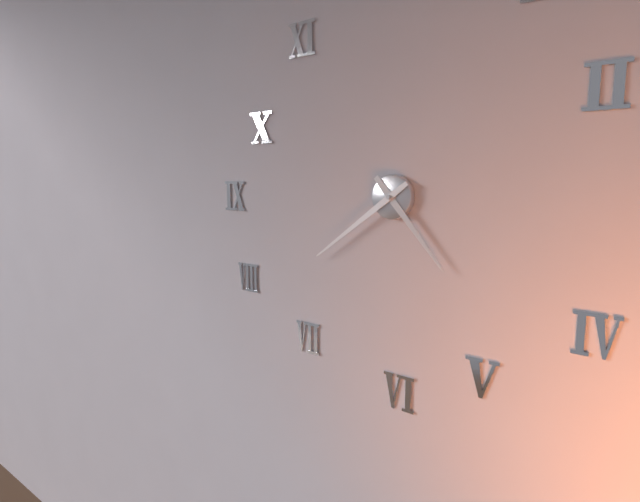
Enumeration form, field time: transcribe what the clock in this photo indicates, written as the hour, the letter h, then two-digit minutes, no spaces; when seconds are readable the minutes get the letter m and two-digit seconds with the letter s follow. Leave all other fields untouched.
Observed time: 4h39
